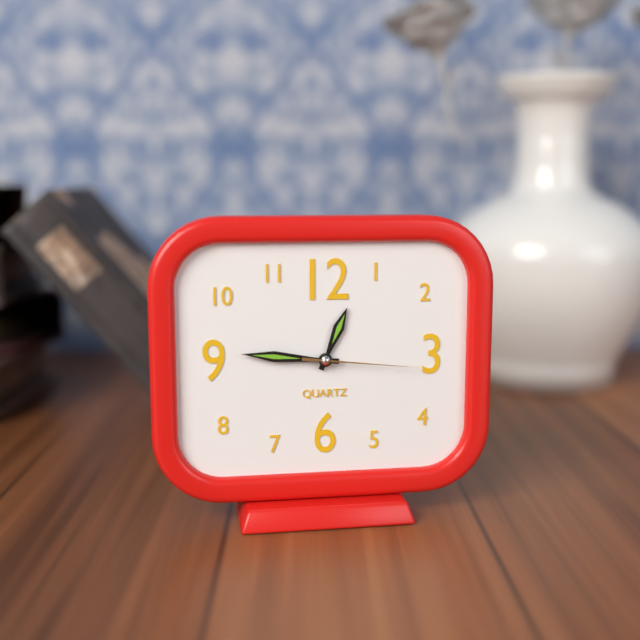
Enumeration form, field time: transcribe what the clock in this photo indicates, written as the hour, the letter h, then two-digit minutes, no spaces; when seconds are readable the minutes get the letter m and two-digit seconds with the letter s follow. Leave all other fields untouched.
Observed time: 12h46m16s
